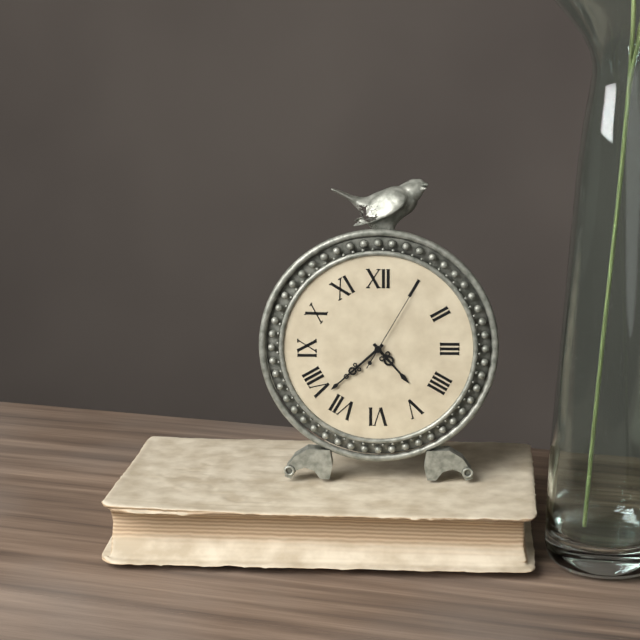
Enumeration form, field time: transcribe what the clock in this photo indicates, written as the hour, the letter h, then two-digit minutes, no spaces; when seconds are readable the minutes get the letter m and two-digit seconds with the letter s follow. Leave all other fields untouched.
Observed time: 4h38m05s
